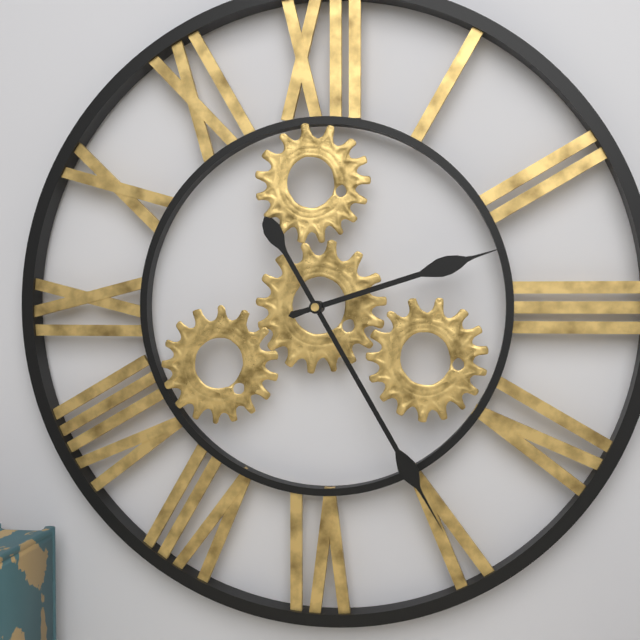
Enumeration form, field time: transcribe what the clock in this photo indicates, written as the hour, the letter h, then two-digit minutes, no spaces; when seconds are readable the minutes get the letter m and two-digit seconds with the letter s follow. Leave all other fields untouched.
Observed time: 2h25
